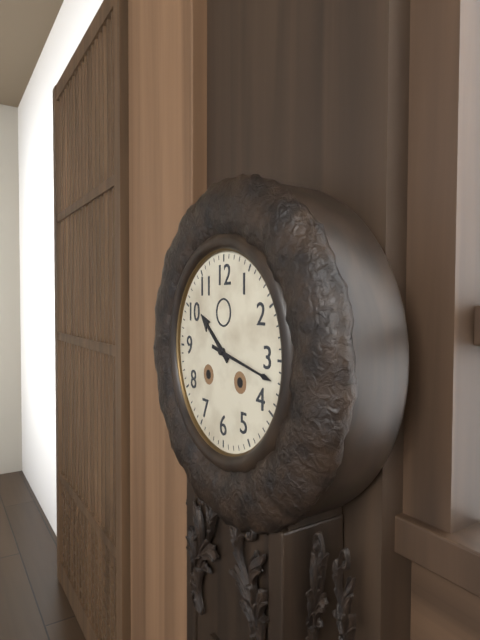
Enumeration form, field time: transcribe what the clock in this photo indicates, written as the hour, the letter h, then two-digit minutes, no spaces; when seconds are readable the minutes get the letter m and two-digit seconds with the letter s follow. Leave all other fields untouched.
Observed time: 10h17
